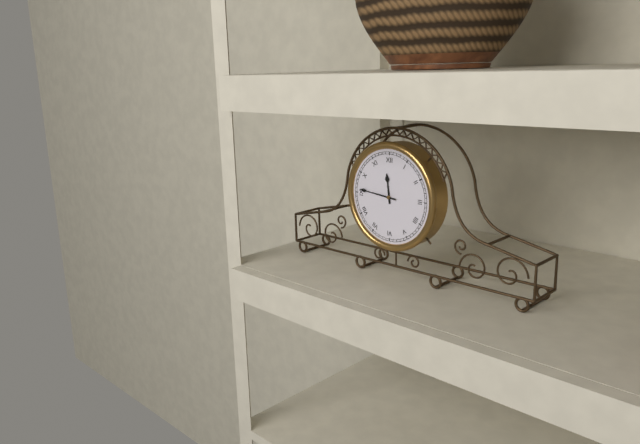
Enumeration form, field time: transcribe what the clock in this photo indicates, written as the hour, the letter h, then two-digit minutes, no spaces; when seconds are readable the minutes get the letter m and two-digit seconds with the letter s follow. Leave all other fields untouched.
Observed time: 11h46
